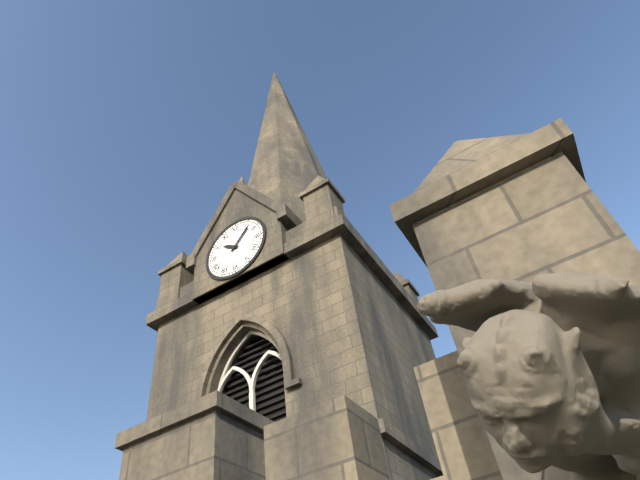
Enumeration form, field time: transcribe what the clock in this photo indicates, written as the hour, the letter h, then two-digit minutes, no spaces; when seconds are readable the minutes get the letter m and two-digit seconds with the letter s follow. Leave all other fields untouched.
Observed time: 10h07
